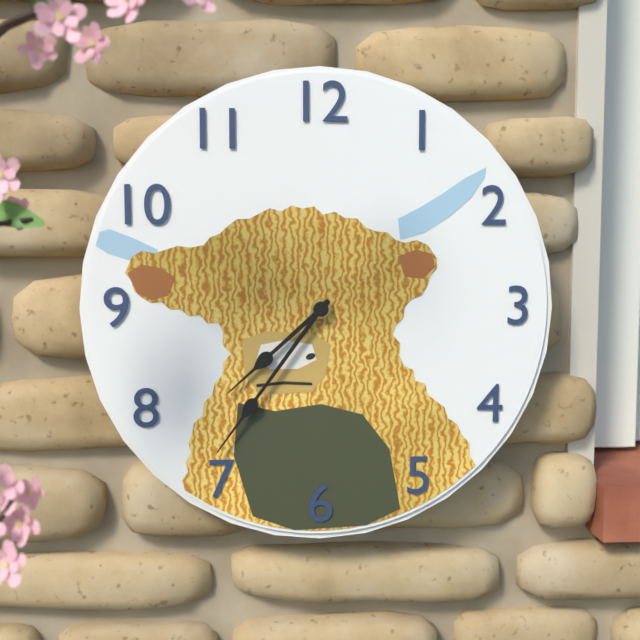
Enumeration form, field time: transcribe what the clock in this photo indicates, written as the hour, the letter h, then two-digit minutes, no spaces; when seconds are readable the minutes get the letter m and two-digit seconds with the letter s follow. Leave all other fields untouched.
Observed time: 7h36
